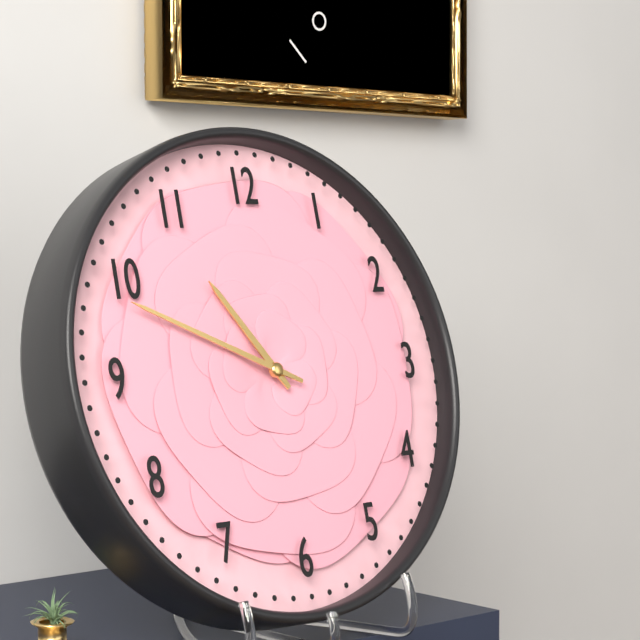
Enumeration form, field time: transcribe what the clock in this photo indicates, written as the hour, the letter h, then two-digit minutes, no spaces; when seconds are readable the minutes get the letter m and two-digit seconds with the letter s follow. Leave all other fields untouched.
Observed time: 10h49
